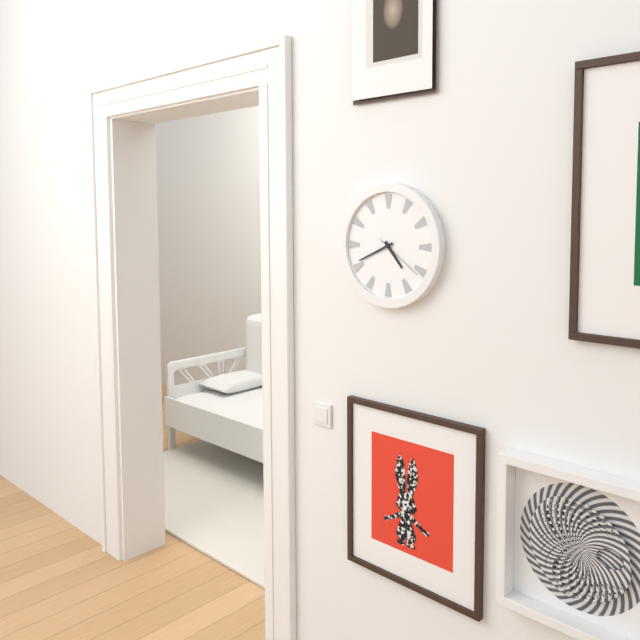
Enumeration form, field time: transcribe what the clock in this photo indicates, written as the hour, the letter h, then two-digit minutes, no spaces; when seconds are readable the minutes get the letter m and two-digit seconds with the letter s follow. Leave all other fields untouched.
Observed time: 4h41m21s
